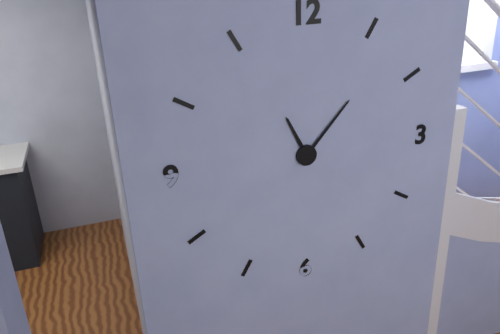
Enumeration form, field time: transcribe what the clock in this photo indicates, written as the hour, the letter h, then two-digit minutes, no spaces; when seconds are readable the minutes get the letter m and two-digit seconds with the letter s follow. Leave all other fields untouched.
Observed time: 11h07
